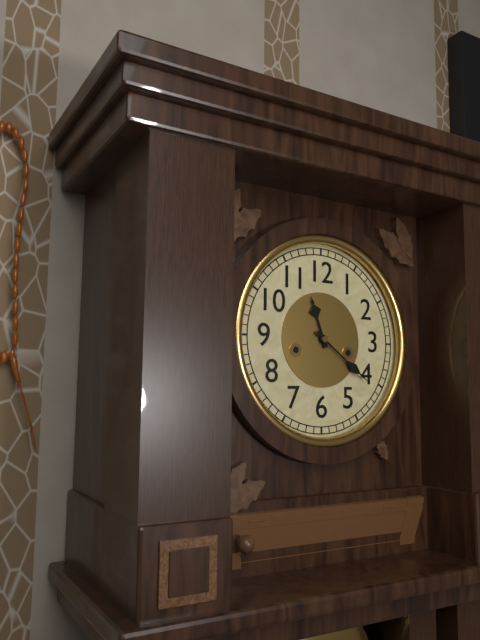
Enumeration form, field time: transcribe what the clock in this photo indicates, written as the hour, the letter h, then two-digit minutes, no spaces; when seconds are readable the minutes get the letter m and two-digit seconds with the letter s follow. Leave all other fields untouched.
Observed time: 11h21
